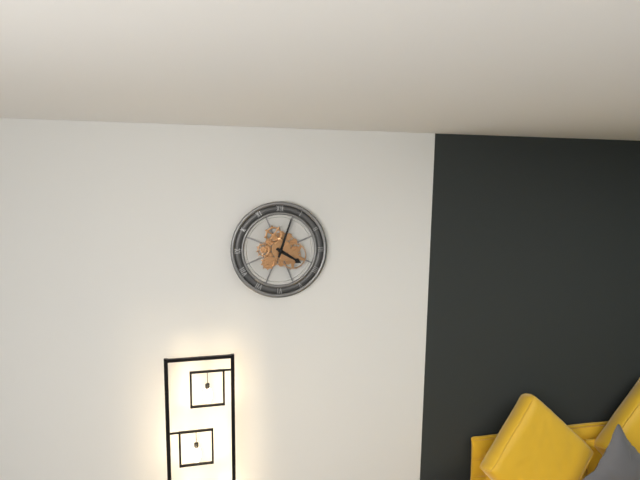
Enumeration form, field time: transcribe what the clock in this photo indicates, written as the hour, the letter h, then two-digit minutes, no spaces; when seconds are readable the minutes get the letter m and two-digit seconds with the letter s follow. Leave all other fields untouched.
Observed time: 4h03
